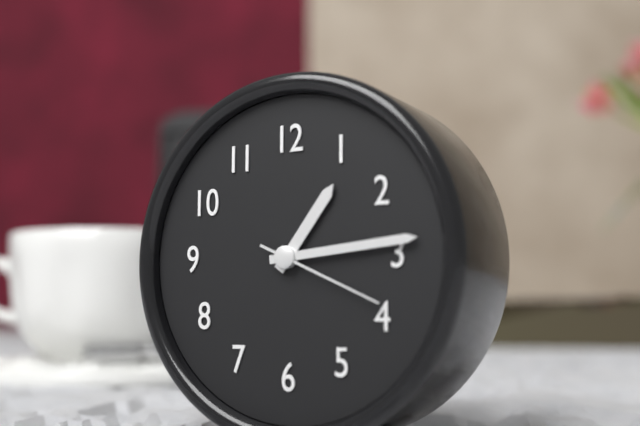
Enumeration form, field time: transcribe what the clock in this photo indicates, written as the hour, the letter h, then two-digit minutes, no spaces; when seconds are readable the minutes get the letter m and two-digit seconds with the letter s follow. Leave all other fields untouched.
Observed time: 1h14m19s
